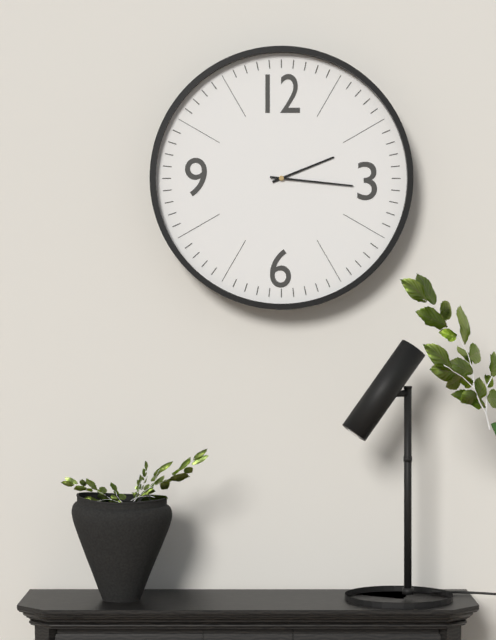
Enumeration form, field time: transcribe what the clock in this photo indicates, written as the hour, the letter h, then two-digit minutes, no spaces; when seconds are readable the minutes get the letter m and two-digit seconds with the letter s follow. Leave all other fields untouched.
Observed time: 2h16
